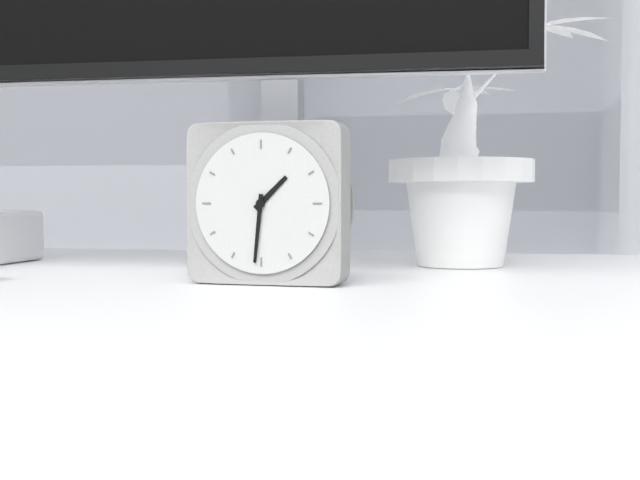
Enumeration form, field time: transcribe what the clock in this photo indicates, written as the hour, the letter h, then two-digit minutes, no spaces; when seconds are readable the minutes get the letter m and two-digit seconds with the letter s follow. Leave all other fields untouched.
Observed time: 1h31
